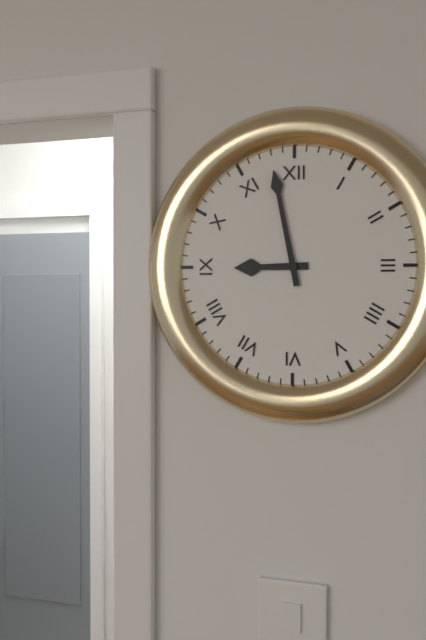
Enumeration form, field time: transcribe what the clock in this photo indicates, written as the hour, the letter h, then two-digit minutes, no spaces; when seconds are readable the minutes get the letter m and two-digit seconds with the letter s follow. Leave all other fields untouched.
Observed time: 8h58
